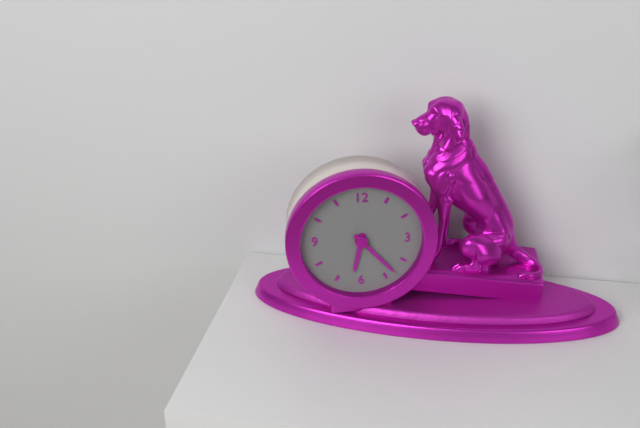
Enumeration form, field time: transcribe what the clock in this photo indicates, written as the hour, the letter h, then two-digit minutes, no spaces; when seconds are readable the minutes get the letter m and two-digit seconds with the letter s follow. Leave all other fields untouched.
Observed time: 6h23
